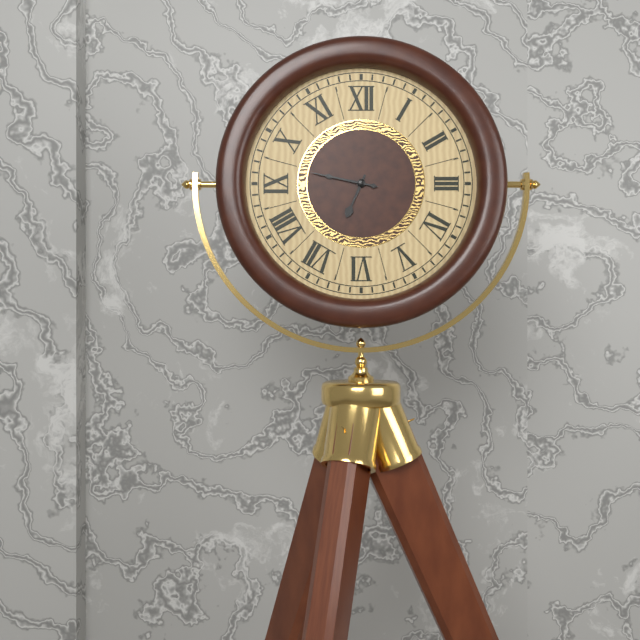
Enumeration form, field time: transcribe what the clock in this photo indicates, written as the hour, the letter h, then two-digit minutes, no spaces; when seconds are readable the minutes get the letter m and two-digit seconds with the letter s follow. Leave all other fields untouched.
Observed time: 6h47
